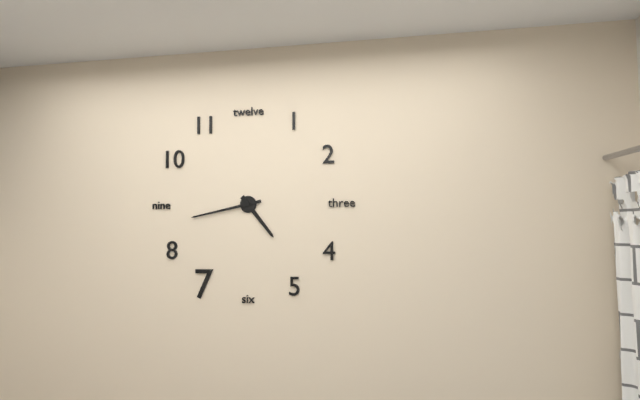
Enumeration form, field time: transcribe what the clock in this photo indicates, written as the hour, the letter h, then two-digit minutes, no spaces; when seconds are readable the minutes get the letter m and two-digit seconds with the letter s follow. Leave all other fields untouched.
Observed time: 4h43
